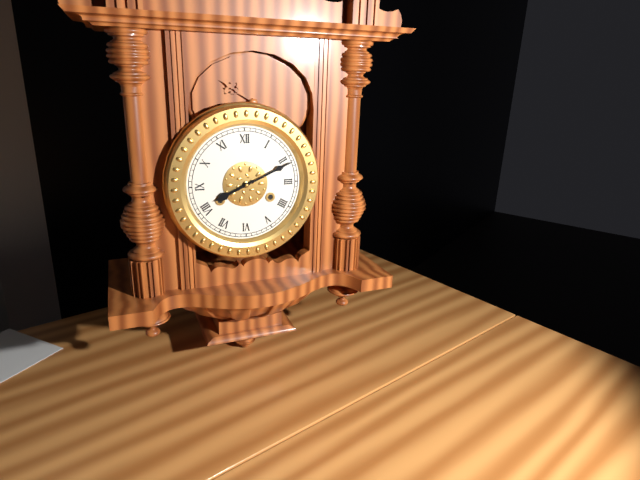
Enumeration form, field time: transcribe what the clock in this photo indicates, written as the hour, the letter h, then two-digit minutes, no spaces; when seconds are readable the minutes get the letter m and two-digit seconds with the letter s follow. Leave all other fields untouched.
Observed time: 8h11
